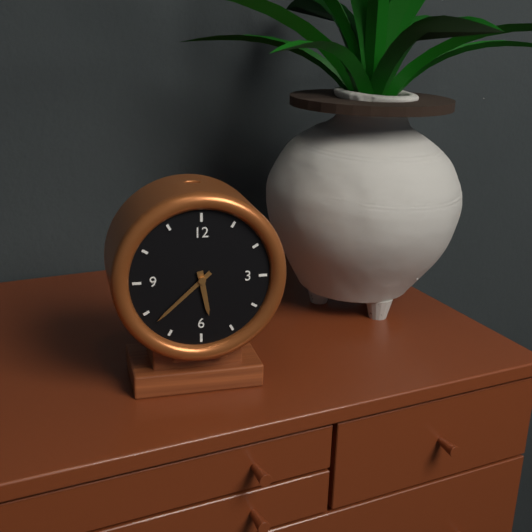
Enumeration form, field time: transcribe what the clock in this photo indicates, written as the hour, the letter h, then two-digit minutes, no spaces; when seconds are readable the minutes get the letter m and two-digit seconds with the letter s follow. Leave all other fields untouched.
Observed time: 5h38
